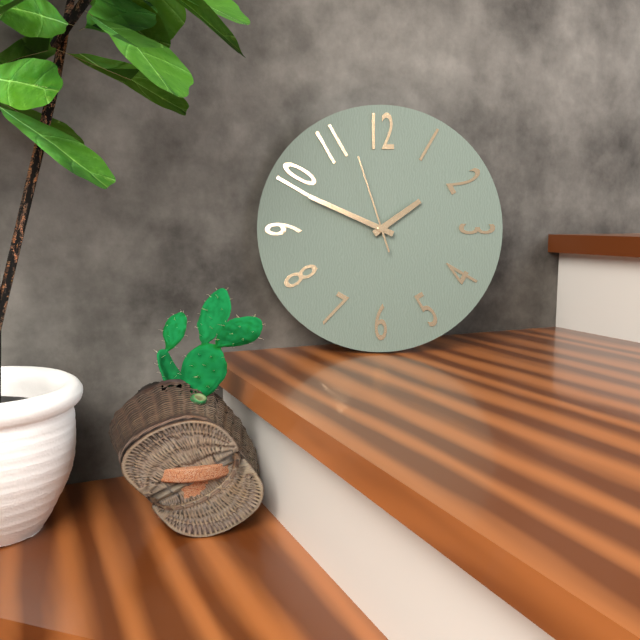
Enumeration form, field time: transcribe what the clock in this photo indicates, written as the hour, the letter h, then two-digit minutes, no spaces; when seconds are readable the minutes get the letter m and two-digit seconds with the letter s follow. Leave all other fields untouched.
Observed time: 1h49m57s
